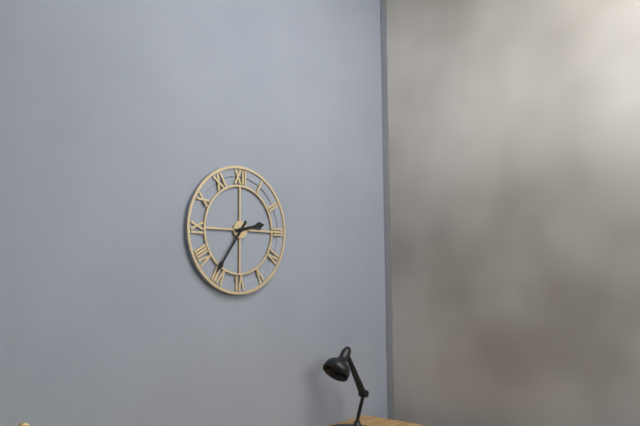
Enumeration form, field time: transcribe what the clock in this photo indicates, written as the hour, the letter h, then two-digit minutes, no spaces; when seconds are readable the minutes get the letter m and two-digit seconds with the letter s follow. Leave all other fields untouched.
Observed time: 2h36
